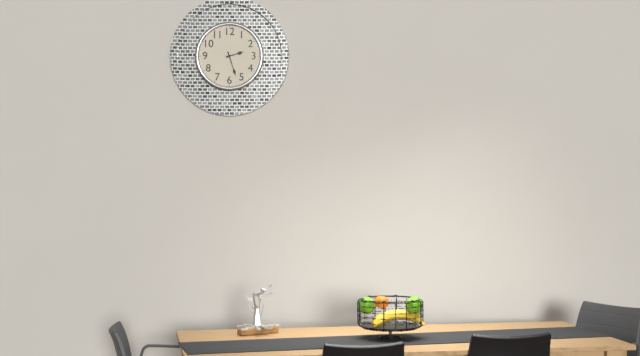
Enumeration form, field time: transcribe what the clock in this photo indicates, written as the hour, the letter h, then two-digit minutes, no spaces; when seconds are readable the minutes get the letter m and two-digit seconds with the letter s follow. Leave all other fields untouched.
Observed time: 2h27
